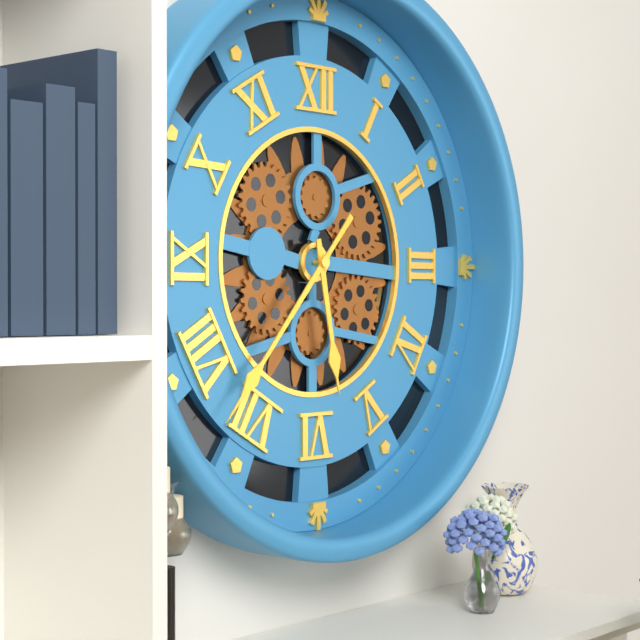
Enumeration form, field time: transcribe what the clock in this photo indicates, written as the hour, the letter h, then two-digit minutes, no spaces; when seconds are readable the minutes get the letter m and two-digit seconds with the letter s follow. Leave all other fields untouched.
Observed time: 5h37
